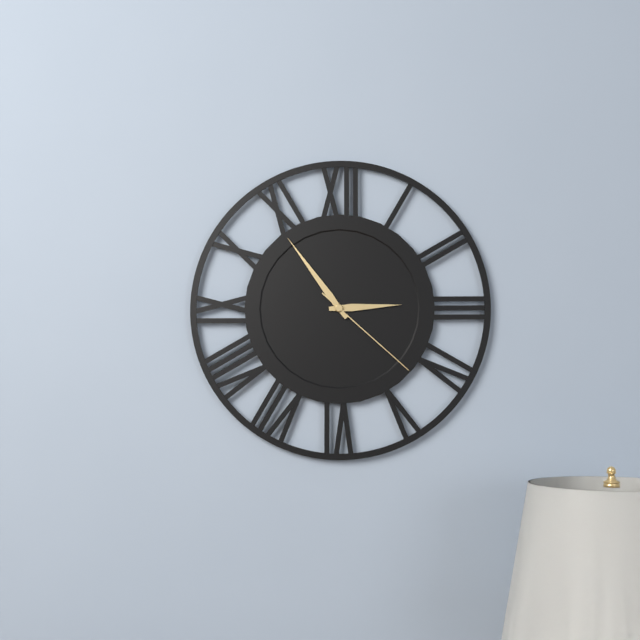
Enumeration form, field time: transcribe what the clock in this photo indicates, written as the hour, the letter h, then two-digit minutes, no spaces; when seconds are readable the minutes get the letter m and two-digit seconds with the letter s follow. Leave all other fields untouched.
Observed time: 2h54m22s
